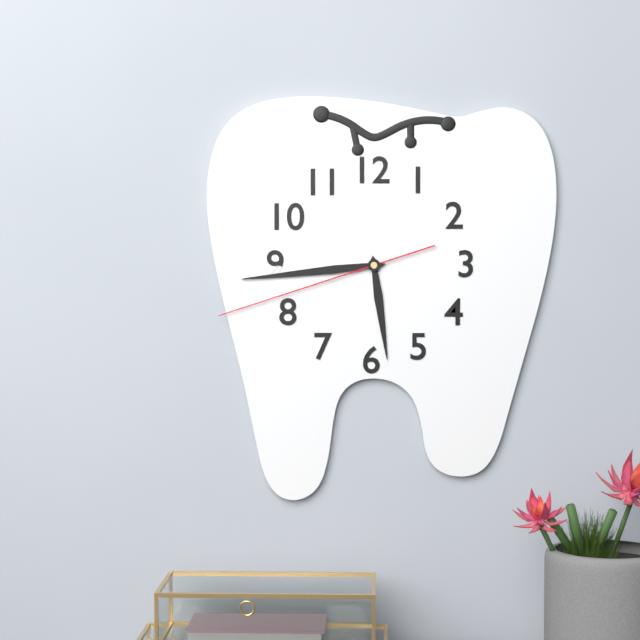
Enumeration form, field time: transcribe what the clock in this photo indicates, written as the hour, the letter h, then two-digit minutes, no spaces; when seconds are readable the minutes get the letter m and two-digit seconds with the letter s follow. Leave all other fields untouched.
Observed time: 5h44m42s
